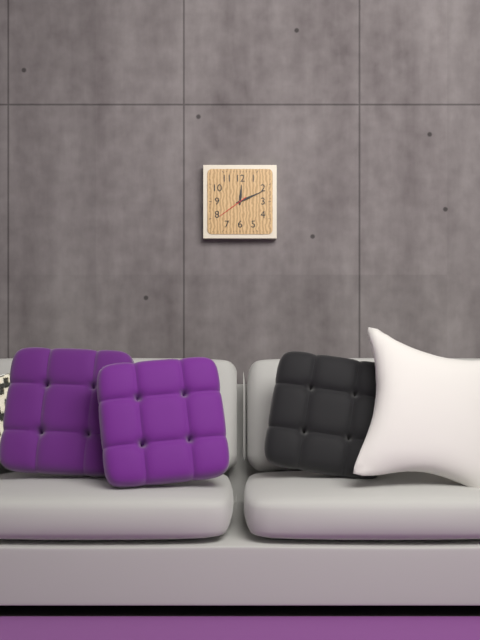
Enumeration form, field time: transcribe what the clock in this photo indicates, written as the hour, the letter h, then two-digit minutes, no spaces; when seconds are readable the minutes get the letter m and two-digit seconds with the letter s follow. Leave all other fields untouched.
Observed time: 12h11
